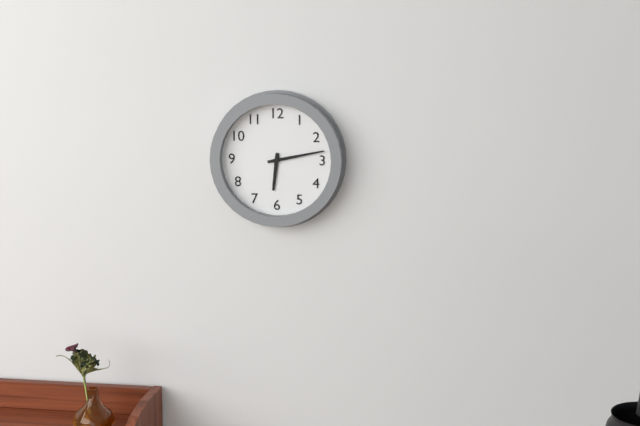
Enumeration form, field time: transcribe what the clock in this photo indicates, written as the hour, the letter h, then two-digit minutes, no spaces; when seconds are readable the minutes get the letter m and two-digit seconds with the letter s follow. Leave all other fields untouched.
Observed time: 6h13
